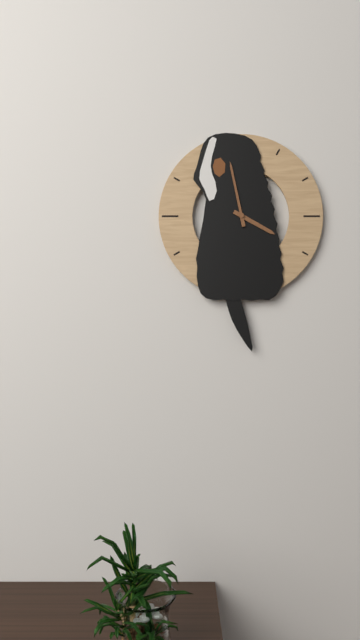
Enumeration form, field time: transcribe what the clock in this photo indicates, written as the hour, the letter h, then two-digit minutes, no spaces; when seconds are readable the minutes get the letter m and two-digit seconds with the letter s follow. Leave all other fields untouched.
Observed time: 3h58
